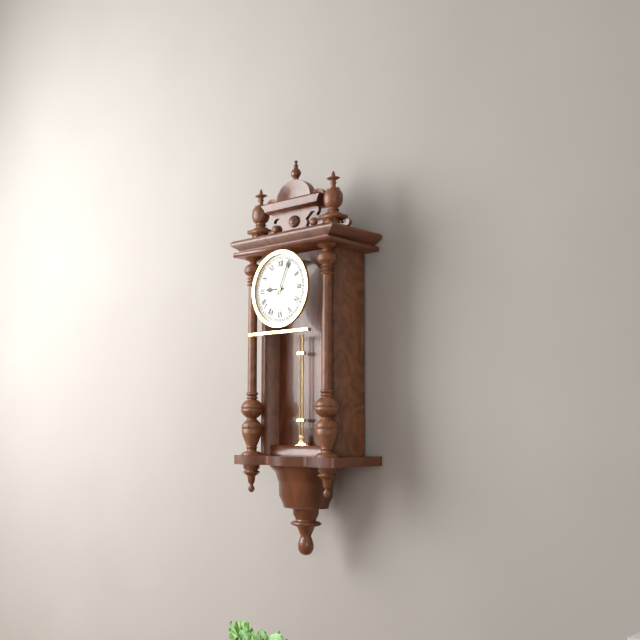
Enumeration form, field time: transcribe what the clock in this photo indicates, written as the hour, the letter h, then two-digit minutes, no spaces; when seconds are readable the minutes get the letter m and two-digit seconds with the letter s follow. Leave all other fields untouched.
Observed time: 9h04
